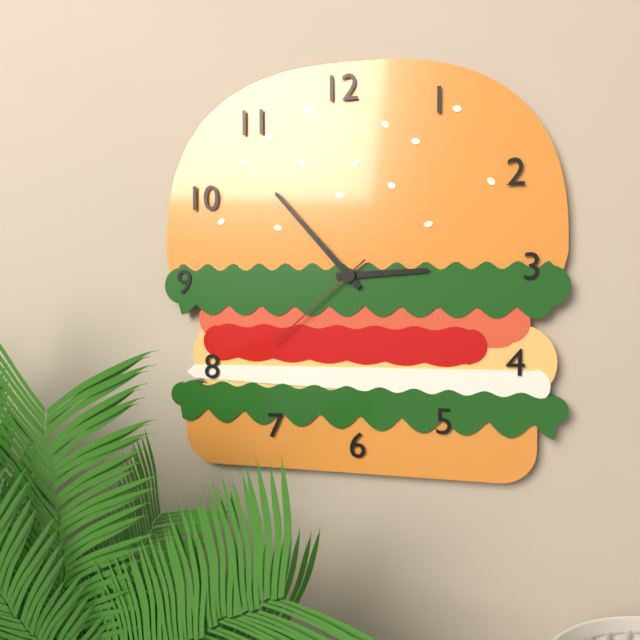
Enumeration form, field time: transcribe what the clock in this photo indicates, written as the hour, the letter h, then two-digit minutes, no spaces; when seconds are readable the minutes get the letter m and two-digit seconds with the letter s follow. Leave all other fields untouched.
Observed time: 2h53m38s
